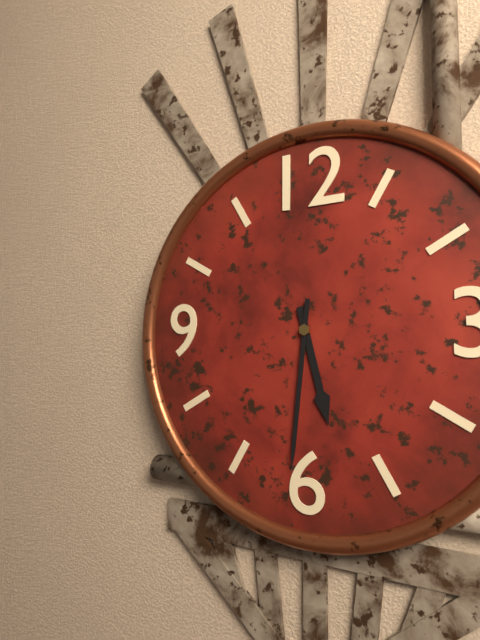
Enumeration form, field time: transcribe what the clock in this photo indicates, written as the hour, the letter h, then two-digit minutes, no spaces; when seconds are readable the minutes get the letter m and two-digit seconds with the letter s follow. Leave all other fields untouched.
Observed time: 5h31
